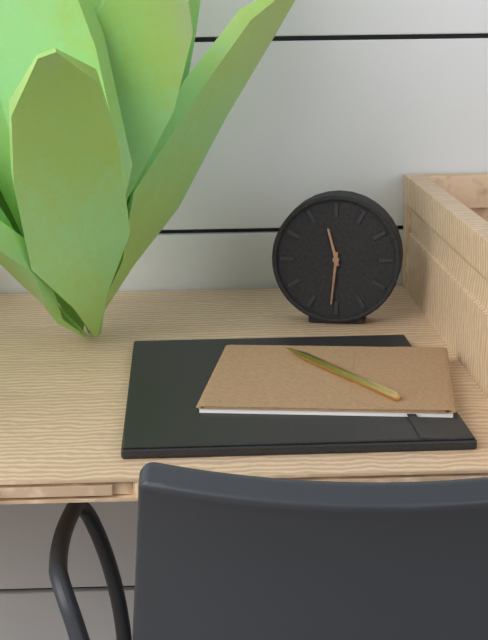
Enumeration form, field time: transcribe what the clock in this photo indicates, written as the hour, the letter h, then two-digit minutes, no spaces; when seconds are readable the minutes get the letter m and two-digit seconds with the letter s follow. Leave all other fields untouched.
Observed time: 11h31
